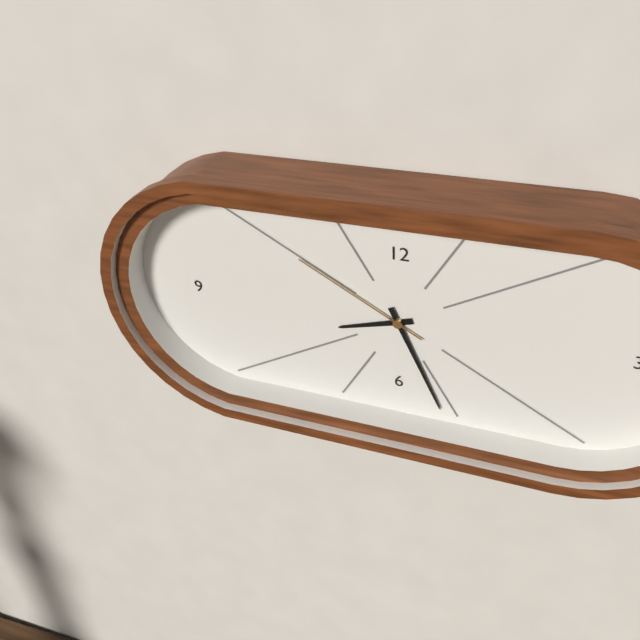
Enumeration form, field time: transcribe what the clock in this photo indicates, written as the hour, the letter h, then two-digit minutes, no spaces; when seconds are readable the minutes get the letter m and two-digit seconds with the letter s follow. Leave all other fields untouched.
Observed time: 8h26m50s
